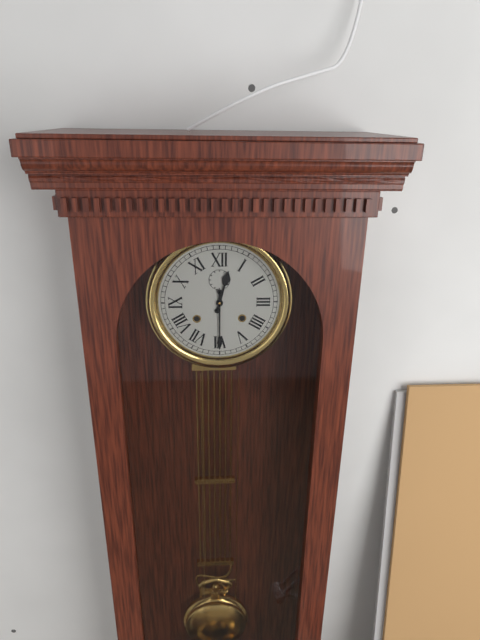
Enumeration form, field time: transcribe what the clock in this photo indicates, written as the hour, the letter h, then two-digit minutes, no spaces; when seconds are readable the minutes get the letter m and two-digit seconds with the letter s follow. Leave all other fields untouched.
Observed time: 12h30
